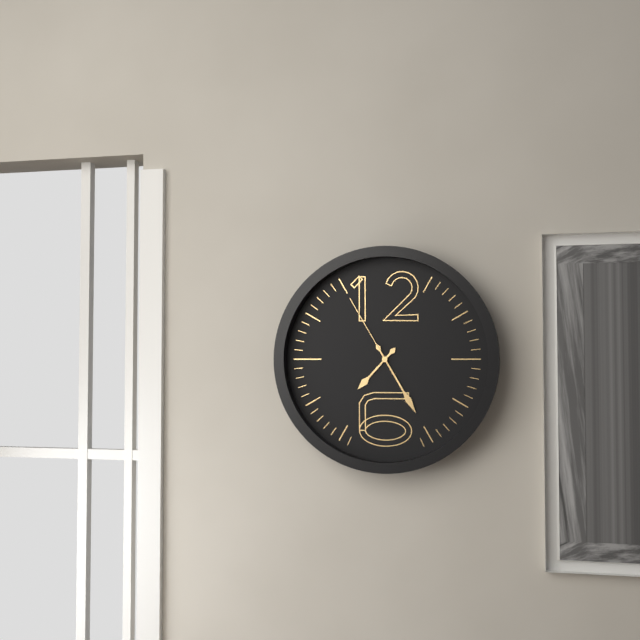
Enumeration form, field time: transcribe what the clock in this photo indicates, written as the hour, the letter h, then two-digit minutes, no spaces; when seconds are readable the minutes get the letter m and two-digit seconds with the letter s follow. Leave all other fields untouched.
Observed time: 7h25m55s
